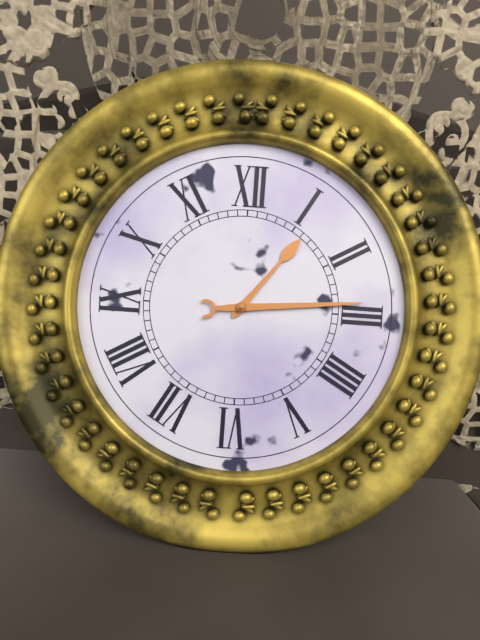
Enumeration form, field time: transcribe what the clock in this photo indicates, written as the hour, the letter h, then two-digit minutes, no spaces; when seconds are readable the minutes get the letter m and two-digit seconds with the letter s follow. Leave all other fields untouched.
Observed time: 1h14
